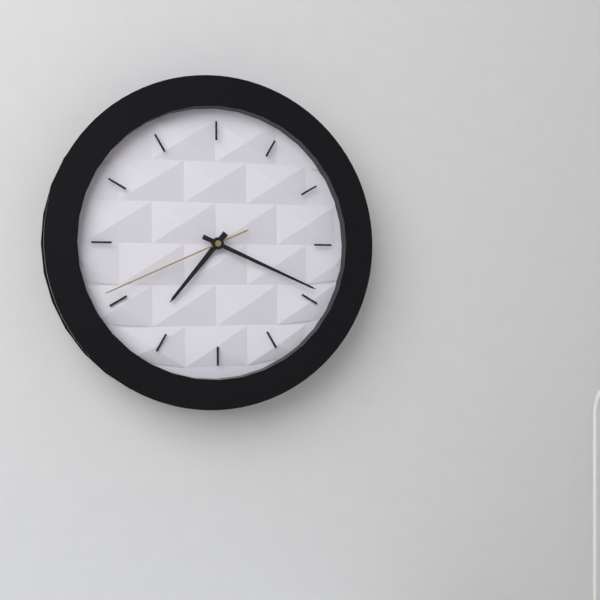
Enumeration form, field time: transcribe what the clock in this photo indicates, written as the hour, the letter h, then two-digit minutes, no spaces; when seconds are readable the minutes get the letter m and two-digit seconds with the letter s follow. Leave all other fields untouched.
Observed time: 7h19m41s
